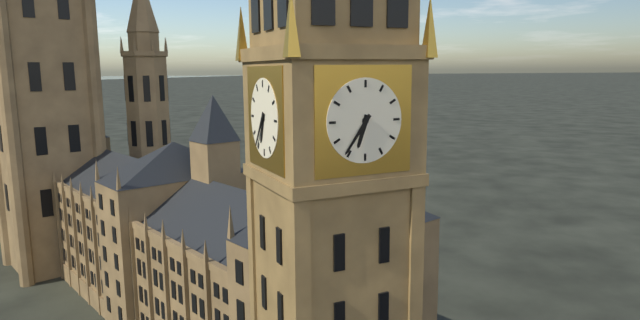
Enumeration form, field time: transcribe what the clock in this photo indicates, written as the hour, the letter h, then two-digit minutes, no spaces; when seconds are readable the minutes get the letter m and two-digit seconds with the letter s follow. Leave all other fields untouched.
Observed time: 6h36
